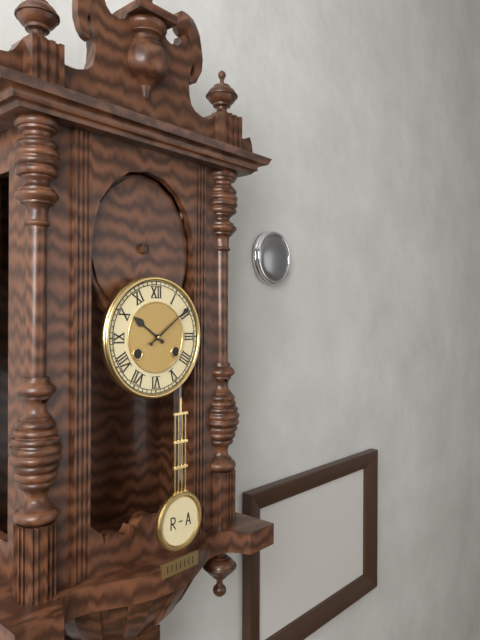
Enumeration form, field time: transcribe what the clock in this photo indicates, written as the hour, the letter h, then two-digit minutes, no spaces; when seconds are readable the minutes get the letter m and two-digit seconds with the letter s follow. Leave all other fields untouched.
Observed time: 10h09
